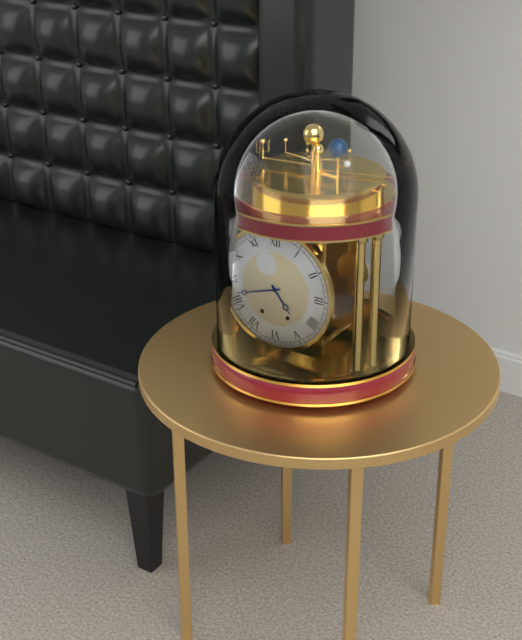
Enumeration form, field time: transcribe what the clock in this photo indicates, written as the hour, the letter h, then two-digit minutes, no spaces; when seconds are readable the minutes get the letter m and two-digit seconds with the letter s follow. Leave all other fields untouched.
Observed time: 4h42
